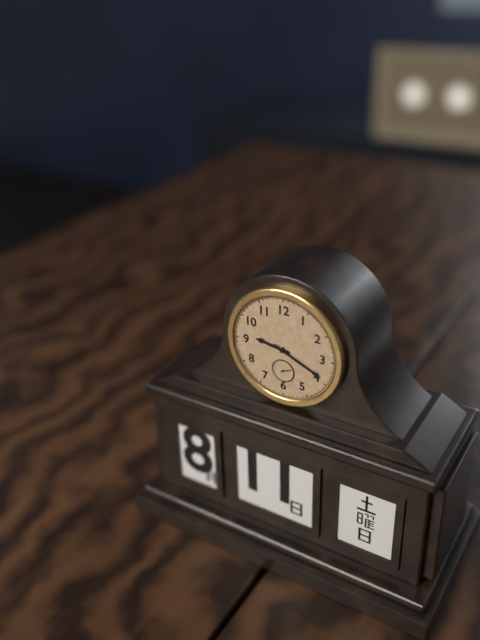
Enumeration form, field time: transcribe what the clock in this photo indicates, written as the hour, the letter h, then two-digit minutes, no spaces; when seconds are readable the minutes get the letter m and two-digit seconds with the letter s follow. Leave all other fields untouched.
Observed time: 9h19
